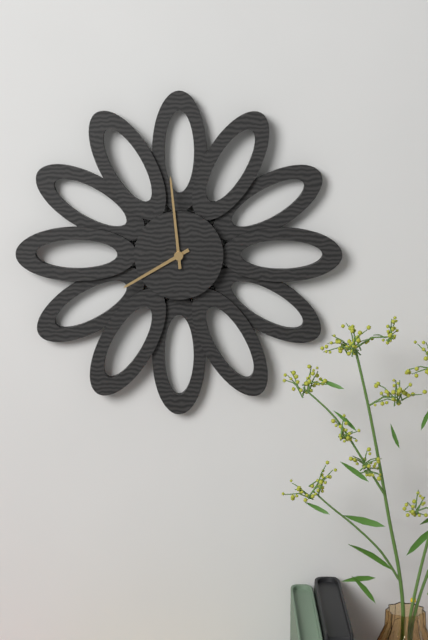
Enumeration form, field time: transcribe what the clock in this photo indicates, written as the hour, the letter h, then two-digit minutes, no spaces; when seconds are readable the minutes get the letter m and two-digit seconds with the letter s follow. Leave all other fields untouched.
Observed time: 7h59
